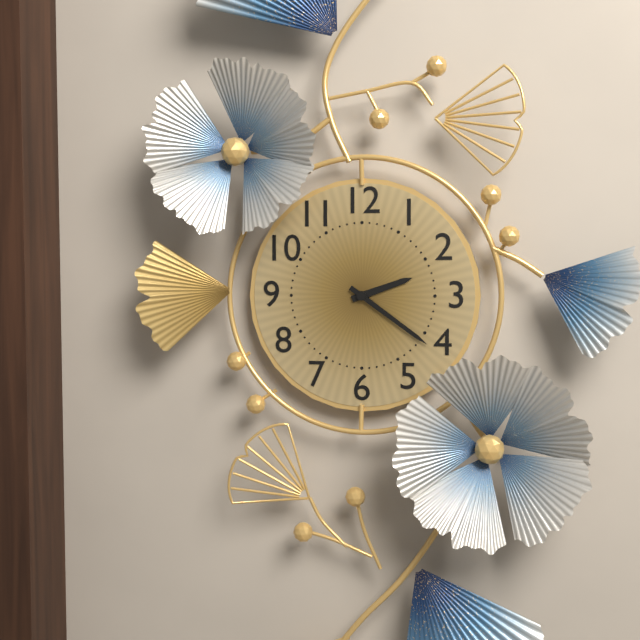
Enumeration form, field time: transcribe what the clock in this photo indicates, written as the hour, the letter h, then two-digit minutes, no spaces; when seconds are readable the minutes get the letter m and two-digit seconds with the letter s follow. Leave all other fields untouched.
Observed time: 2h21
